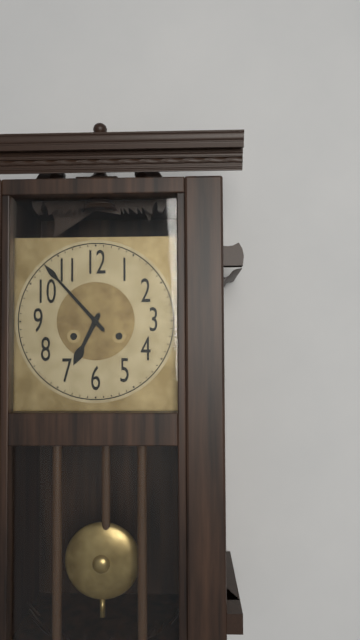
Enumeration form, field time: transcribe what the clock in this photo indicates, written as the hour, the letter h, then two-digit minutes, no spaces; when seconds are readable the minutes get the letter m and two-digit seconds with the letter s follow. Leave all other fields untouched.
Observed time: 6h53
